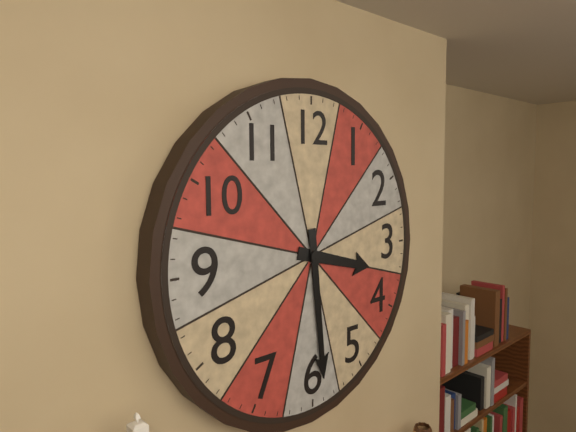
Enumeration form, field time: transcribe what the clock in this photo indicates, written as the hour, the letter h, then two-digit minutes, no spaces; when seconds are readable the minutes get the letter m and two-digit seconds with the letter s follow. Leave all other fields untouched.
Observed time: 3h29
